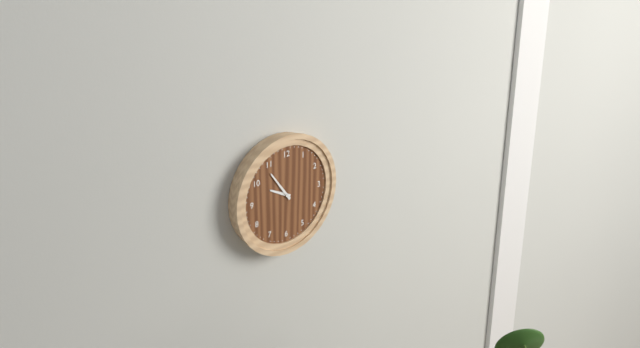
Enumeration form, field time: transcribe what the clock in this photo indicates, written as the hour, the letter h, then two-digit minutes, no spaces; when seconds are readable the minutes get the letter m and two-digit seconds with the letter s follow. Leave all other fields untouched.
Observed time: 9h54
